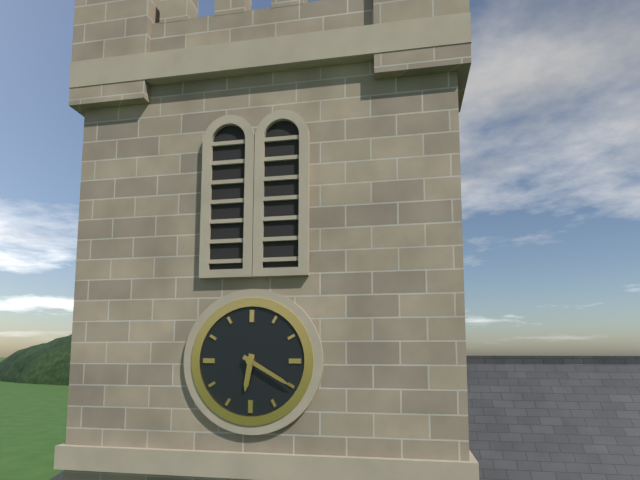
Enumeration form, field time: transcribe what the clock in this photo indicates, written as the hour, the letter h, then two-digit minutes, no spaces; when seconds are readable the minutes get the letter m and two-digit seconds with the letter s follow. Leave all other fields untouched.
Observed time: 6h20
